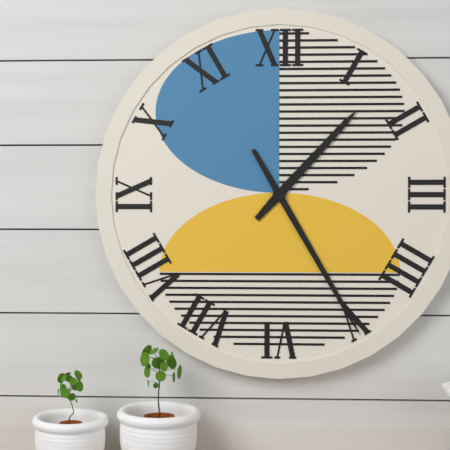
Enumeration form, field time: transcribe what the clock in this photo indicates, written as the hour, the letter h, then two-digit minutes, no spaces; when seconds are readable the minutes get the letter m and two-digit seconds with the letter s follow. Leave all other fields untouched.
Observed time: 1h25
